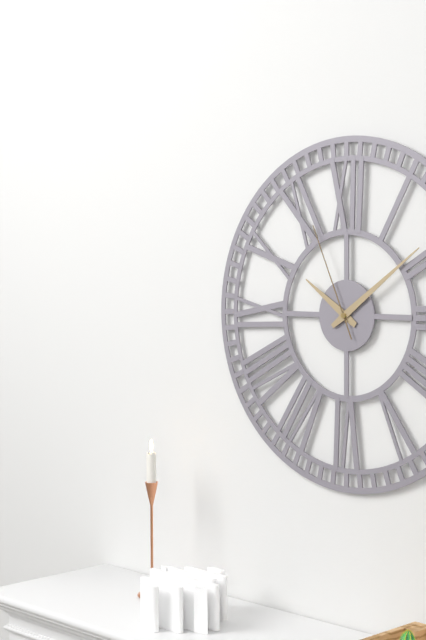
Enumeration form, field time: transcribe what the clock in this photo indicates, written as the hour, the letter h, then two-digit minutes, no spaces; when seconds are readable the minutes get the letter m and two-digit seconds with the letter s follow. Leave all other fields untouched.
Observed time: 10h09m56s
